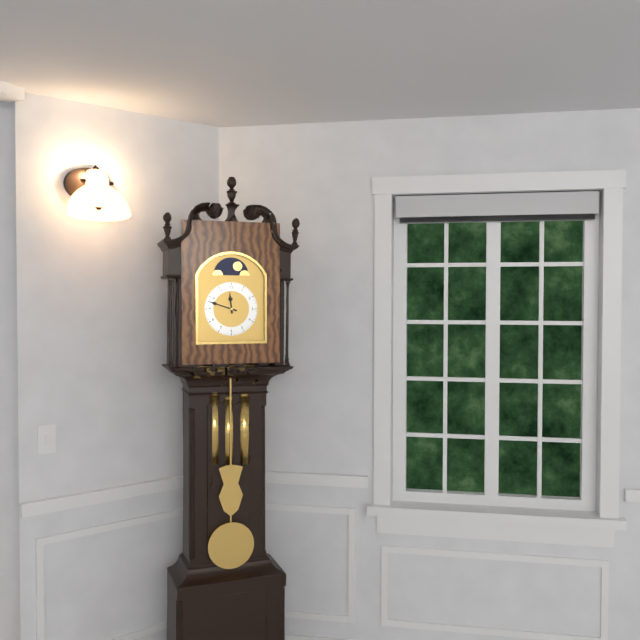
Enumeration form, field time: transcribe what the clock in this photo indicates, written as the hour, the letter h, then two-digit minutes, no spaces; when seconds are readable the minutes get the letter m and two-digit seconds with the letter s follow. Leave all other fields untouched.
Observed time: 11h48
